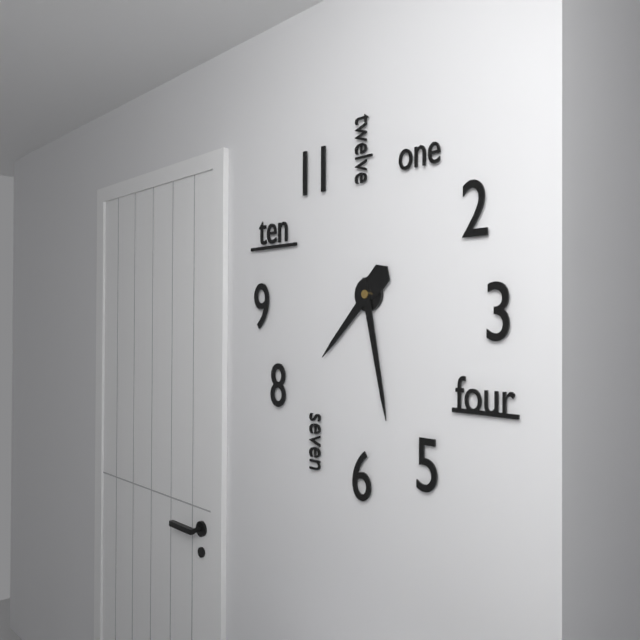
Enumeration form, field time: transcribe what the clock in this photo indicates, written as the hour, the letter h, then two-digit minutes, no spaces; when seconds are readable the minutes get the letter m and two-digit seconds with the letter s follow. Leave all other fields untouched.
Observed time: 7h28
